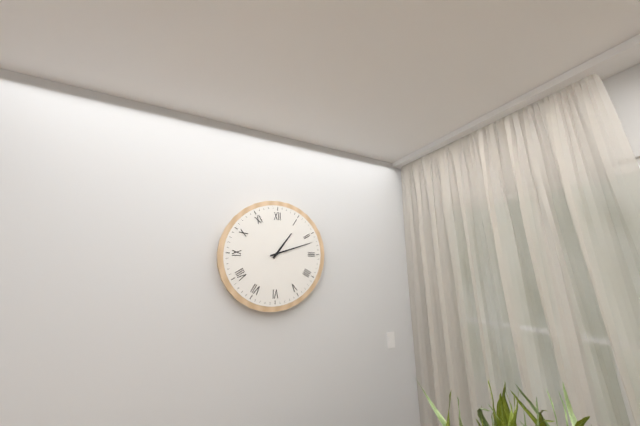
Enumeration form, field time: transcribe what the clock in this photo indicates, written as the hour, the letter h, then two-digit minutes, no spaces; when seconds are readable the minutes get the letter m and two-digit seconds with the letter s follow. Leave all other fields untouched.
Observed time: 1h12
